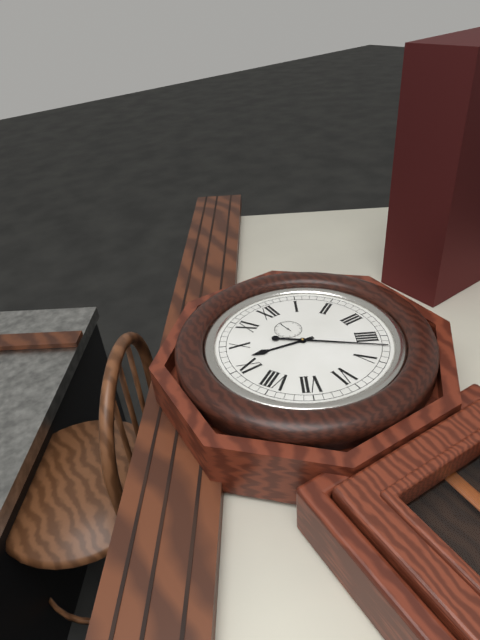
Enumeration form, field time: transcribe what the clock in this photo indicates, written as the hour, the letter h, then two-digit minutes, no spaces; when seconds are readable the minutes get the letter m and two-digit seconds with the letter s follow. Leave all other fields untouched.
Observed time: 9h22
